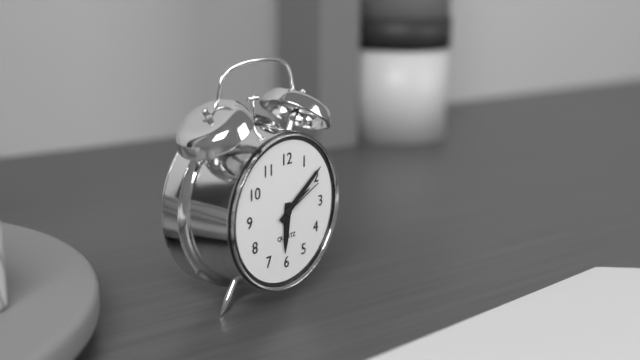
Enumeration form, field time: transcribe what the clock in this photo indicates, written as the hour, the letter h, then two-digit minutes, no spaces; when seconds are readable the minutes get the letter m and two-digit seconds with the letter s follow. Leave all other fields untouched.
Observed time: 6h09m11s
